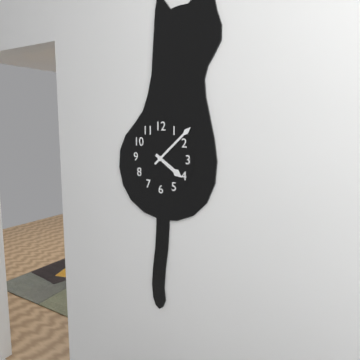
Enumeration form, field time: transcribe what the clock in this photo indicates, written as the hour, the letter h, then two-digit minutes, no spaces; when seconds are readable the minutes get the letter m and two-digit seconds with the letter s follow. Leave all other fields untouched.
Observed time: 4h08
